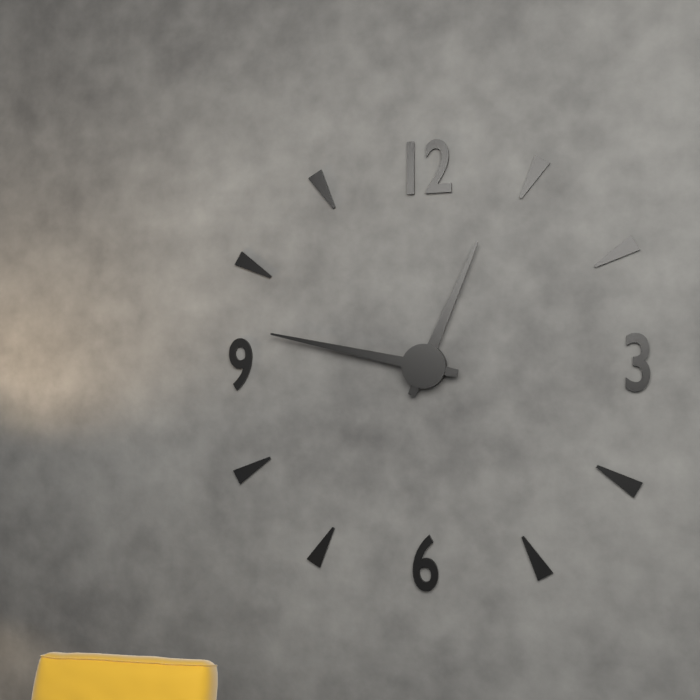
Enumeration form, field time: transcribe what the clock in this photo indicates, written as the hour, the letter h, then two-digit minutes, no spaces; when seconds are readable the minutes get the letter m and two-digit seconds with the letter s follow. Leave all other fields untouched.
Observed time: 12h47
